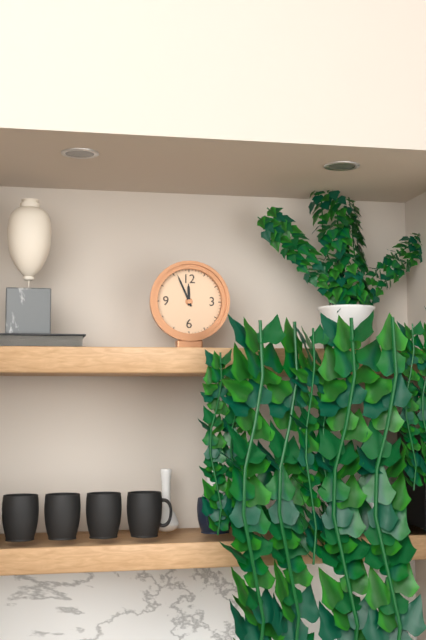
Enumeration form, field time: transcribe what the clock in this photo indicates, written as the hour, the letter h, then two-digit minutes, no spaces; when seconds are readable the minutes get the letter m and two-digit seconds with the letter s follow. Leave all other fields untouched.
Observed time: 11h56
